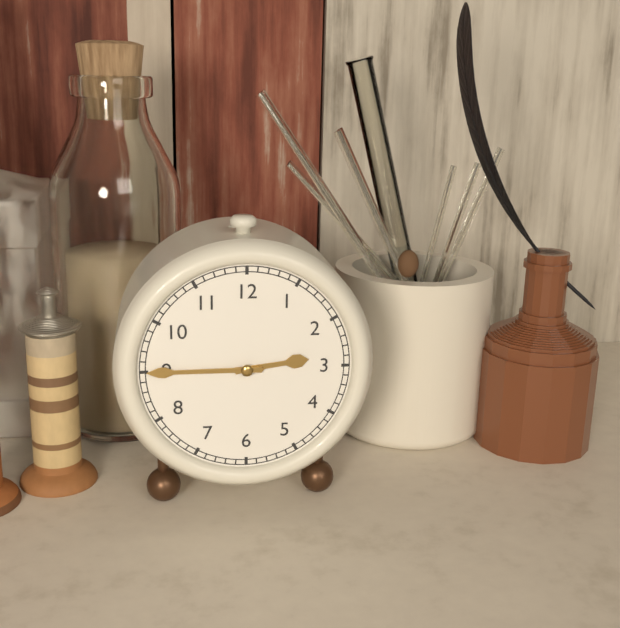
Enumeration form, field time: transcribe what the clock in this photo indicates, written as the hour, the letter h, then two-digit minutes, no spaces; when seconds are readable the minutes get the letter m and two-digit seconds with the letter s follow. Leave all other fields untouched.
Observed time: 2h45
